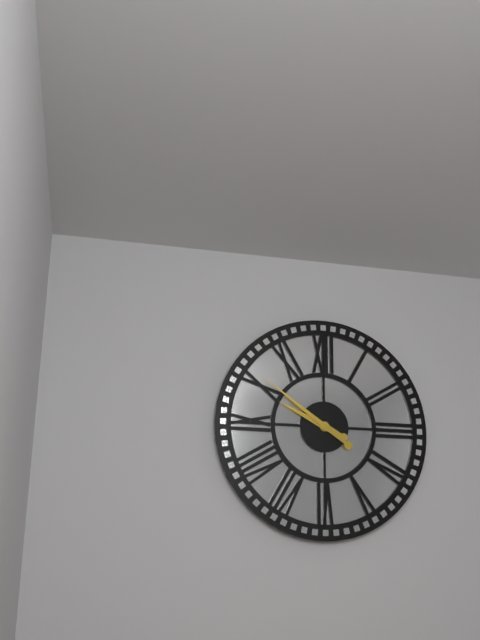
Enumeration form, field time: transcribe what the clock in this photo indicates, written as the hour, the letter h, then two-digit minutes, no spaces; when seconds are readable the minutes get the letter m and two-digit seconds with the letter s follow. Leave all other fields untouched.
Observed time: 9h51
